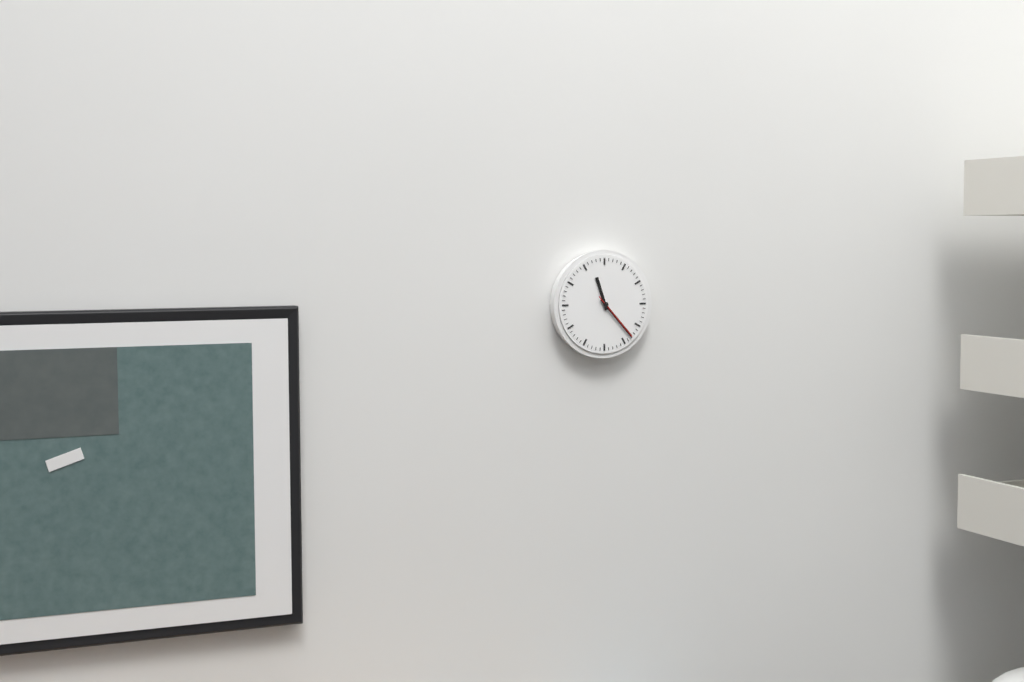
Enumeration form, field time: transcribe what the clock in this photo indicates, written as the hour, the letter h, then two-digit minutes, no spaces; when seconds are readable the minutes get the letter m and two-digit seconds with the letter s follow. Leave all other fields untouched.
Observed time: 11h23m23s
